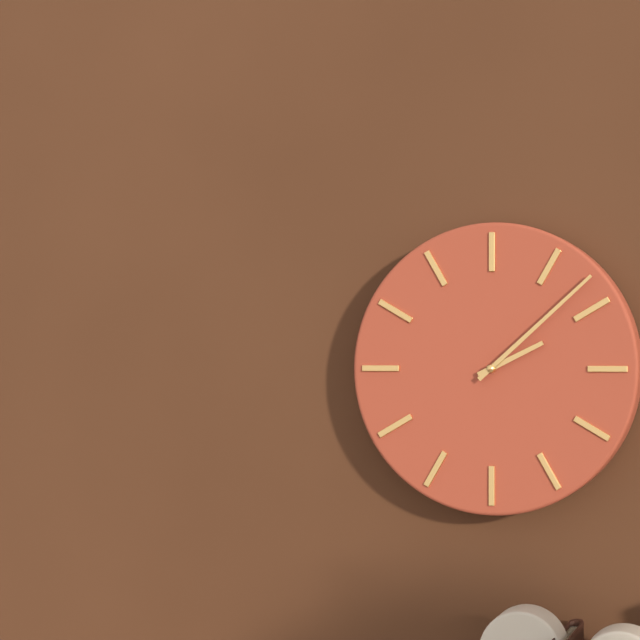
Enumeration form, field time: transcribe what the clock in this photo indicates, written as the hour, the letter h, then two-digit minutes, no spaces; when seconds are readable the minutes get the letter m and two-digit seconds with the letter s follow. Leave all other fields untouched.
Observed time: 2h08
